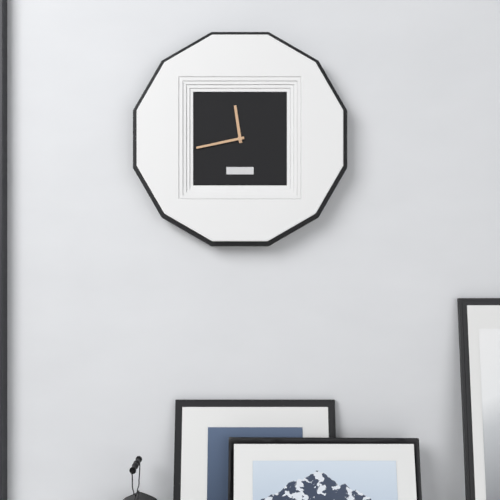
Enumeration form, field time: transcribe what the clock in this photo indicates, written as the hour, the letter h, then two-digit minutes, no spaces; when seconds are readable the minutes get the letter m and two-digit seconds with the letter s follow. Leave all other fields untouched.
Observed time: 11h43
